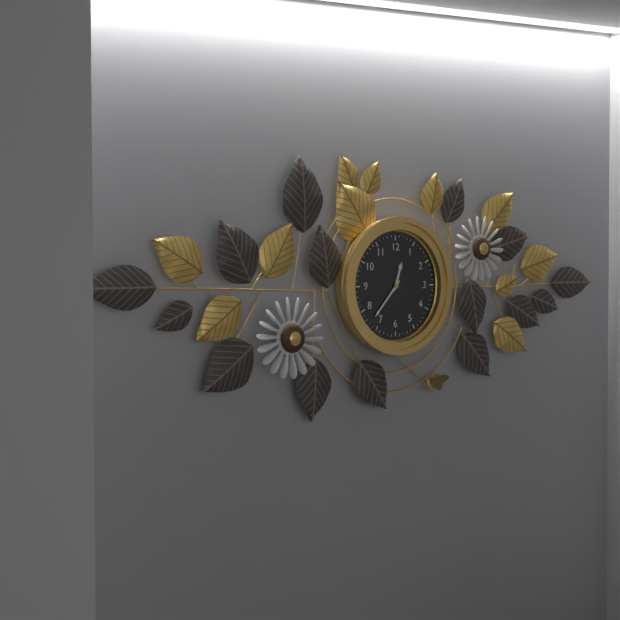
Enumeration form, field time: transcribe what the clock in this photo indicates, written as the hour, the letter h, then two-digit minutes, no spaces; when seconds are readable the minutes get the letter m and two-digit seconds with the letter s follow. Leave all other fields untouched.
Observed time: 12h37
